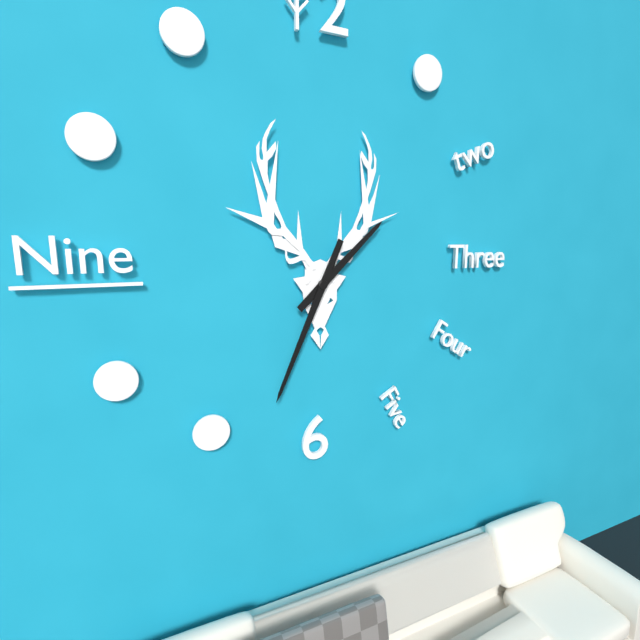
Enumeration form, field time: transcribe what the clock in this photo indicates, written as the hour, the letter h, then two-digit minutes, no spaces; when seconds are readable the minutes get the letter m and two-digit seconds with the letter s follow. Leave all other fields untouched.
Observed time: 1h34
